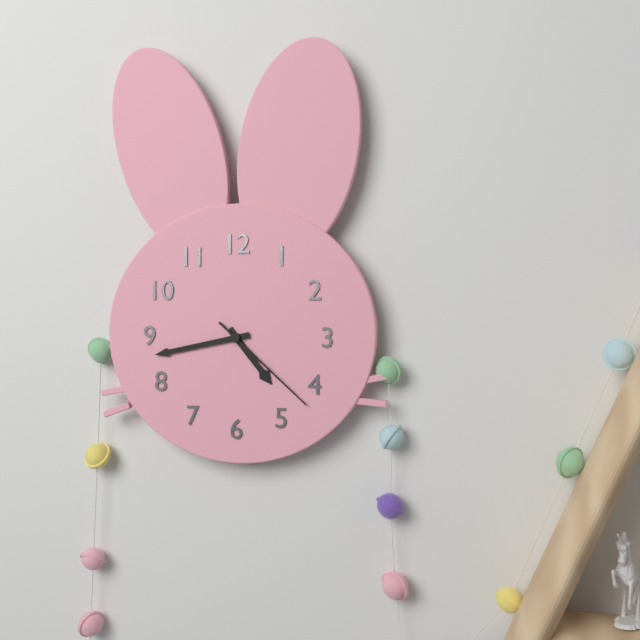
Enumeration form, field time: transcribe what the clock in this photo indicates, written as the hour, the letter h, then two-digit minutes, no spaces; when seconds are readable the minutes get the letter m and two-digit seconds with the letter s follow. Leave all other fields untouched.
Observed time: 4h43m22s
